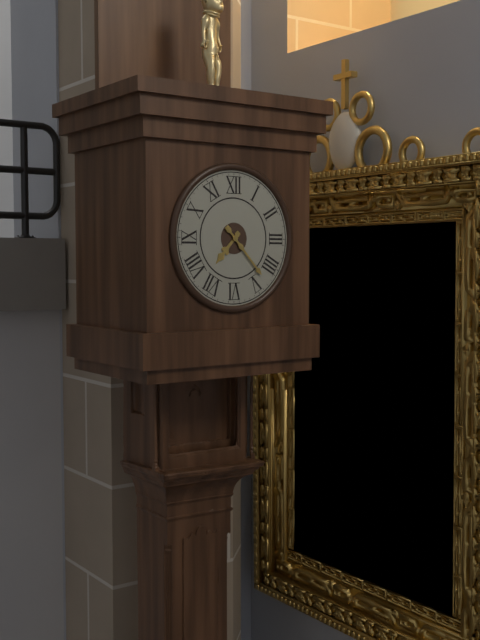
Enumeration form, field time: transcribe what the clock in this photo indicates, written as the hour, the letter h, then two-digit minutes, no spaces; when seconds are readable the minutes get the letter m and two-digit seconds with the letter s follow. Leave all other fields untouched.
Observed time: 7h23
